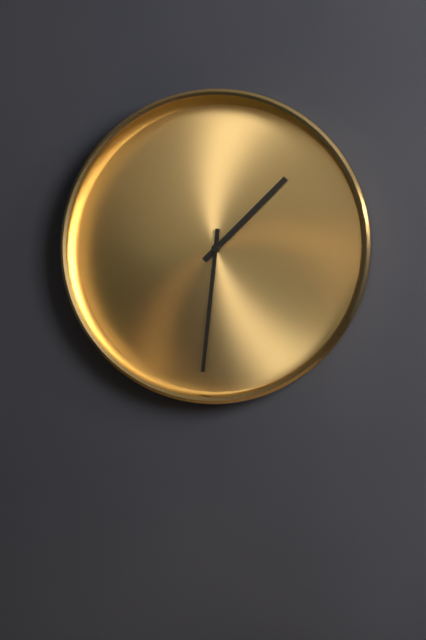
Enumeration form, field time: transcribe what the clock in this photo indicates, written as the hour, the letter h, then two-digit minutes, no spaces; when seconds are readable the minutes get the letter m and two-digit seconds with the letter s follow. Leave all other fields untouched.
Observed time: 1h31
